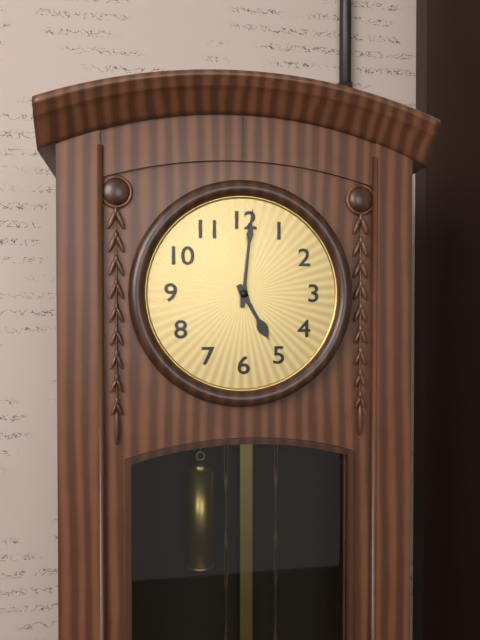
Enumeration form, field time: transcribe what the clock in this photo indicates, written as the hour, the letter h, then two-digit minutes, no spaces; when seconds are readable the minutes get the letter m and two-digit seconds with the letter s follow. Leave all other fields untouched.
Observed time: 5h01
